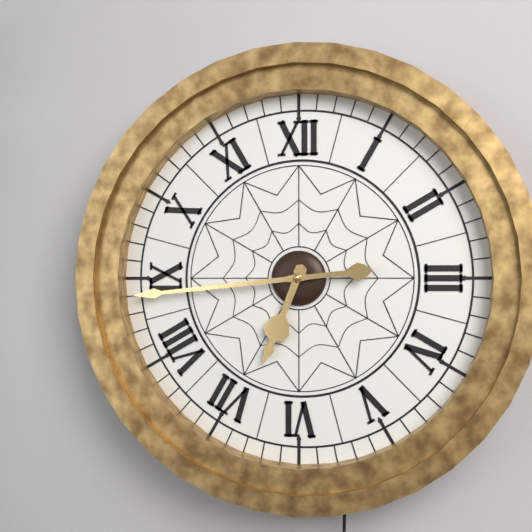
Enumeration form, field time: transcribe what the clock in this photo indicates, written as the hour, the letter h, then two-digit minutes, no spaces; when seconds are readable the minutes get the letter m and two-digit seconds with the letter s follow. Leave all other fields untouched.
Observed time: 6h44
